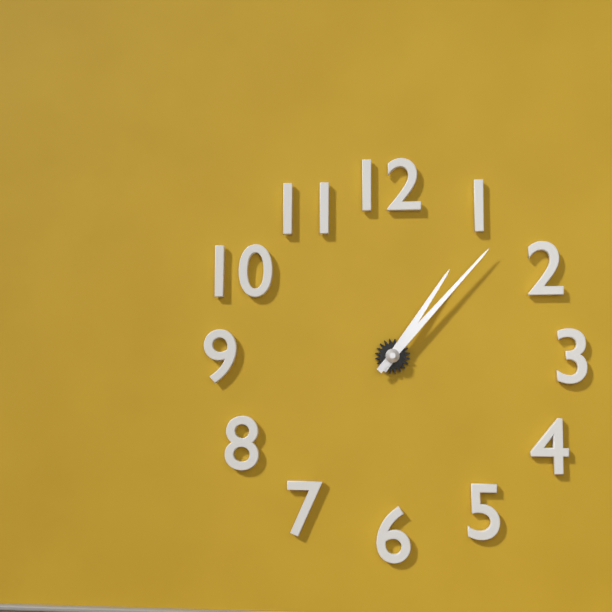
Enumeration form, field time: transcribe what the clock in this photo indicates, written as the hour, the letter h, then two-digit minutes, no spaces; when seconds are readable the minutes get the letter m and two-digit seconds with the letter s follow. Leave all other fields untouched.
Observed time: 1h07
